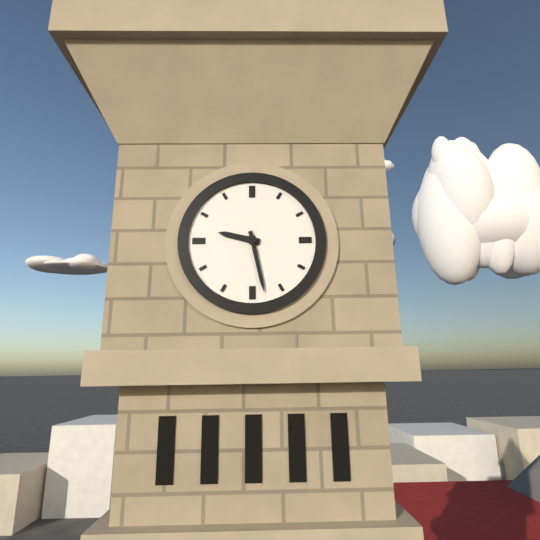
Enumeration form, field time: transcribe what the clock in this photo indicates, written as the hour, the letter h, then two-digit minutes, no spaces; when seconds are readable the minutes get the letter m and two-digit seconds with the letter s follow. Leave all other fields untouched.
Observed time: 9h28
